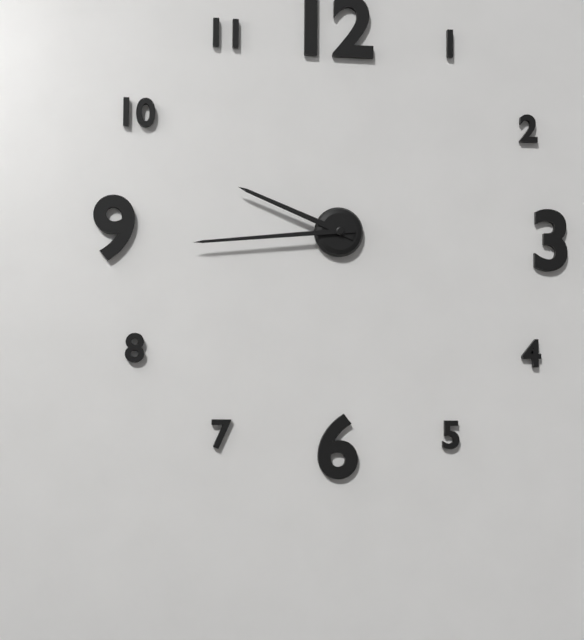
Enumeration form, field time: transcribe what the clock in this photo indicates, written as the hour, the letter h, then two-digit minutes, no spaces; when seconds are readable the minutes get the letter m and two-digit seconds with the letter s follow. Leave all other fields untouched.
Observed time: 9h44
